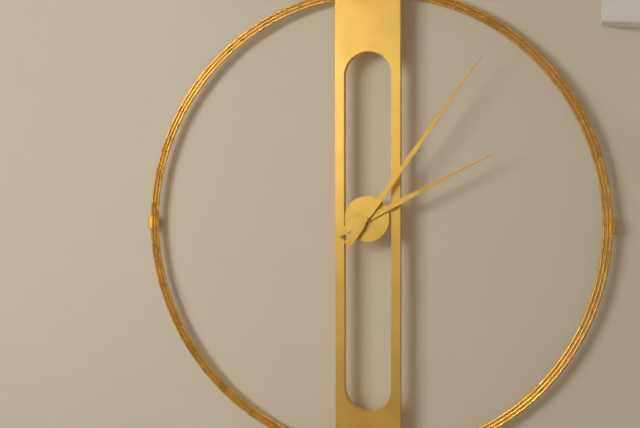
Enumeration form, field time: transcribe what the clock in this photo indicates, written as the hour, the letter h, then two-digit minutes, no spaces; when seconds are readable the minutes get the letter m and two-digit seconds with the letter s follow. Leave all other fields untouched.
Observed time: 2h06
